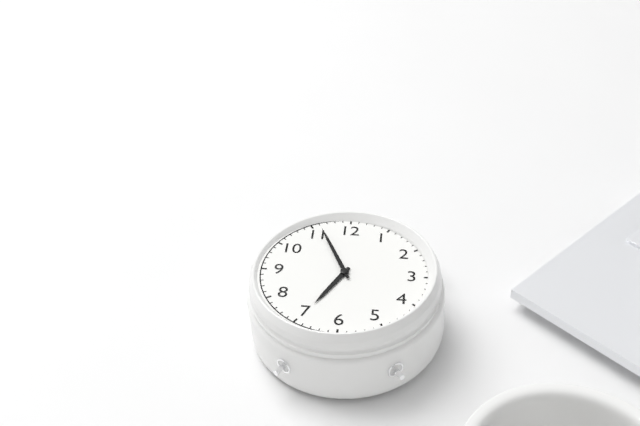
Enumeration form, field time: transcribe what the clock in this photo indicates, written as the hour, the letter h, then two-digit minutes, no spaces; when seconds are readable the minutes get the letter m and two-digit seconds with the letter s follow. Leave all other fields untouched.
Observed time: 6h56
